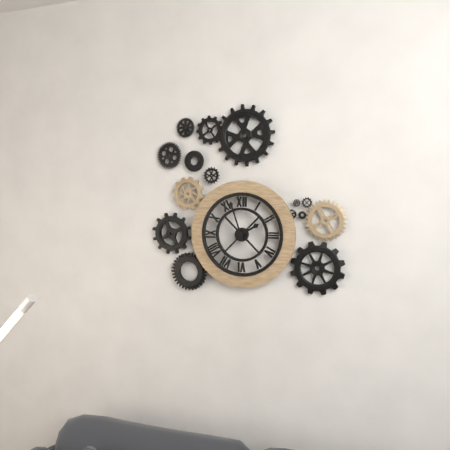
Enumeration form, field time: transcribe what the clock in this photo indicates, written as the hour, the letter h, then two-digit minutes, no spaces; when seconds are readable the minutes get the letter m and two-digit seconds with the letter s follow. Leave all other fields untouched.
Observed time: 1h57
